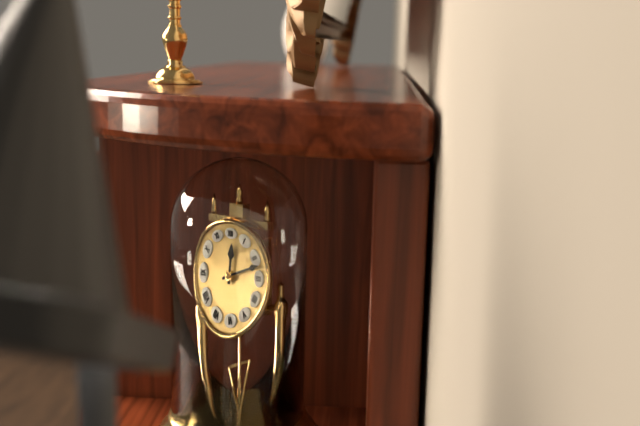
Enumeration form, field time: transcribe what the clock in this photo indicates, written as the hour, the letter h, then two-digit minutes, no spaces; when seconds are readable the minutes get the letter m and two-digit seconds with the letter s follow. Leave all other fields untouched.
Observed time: 12h12
